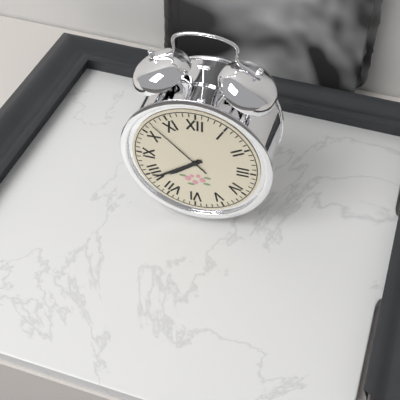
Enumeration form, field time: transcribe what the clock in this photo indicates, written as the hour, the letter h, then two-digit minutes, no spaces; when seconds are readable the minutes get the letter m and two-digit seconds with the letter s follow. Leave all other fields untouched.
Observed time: 7h39m52s
